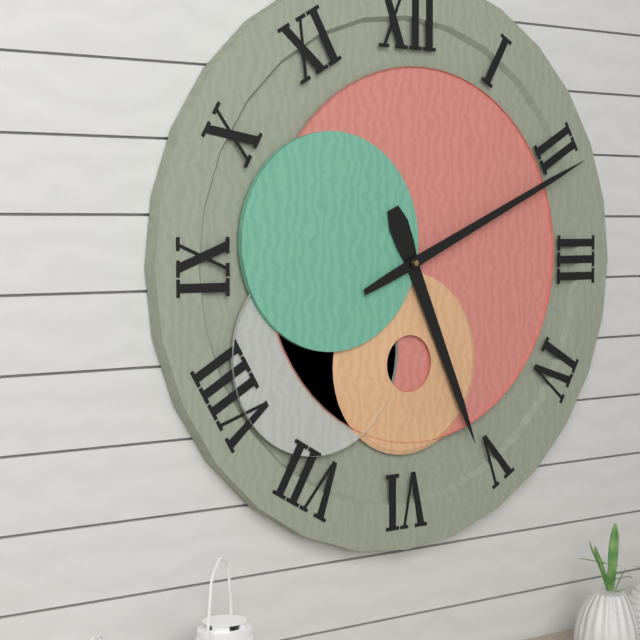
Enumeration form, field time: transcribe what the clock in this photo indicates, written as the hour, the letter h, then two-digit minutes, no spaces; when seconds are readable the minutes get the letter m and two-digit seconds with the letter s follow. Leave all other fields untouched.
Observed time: 5h11
